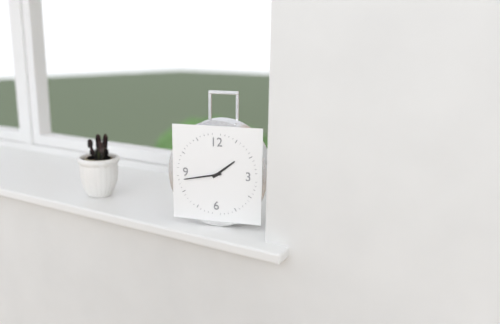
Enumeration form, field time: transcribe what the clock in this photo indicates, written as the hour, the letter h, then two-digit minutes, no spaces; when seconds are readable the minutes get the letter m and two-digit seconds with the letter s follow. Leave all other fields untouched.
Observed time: 1h43
